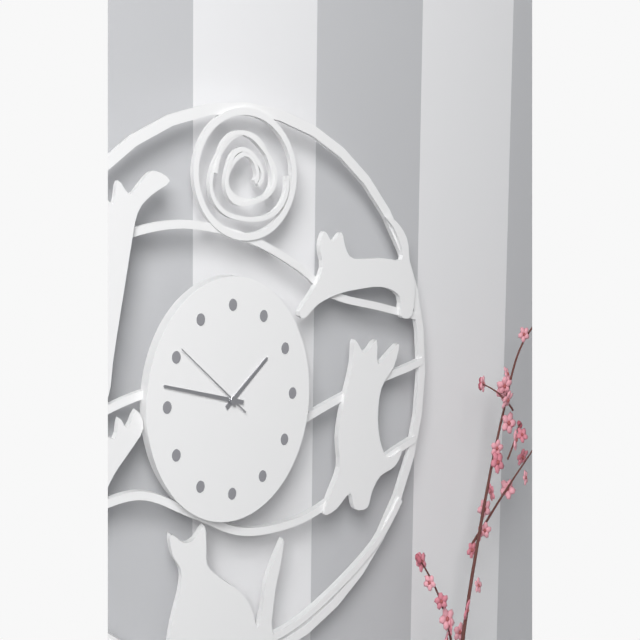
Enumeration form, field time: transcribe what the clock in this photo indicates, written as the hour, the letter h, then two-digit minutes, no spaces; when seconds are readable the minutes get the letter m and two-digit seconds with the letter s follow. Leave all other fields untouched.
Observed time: 1h47m51s
